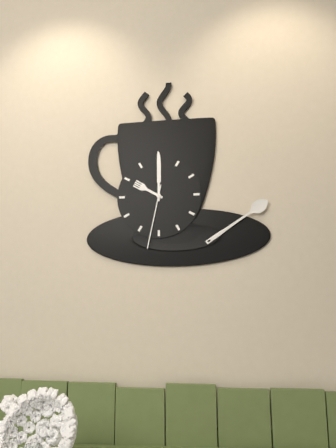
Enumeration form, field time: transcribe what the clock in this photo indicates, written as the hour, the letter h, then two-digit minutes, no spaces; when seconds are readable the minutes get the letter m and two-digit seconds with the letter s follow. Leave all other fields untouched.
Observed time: 10h00m32s
